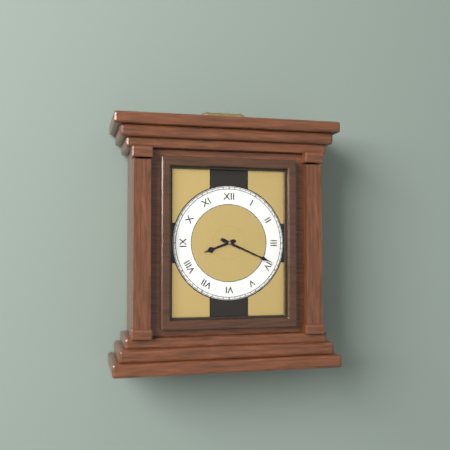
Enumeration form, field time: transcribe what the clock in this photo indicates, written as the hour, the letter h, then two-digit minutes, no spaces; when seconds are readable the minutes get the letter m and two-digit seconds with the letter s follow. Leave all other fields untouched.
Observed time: 8h19
